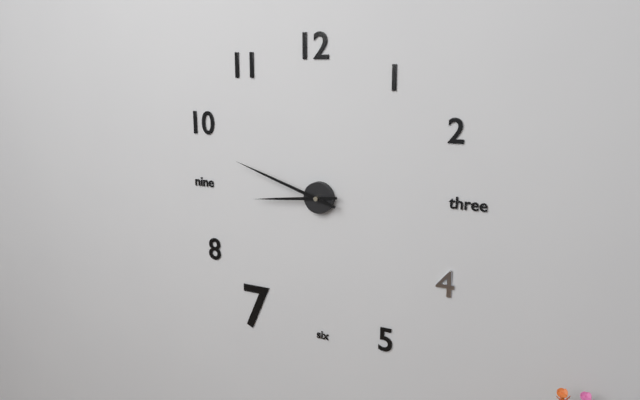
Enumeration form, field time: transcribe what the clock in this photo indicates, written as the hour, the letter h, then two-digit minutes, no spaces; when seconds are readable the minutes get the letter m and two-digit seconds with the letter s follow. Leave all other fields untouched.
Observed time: 8h48
